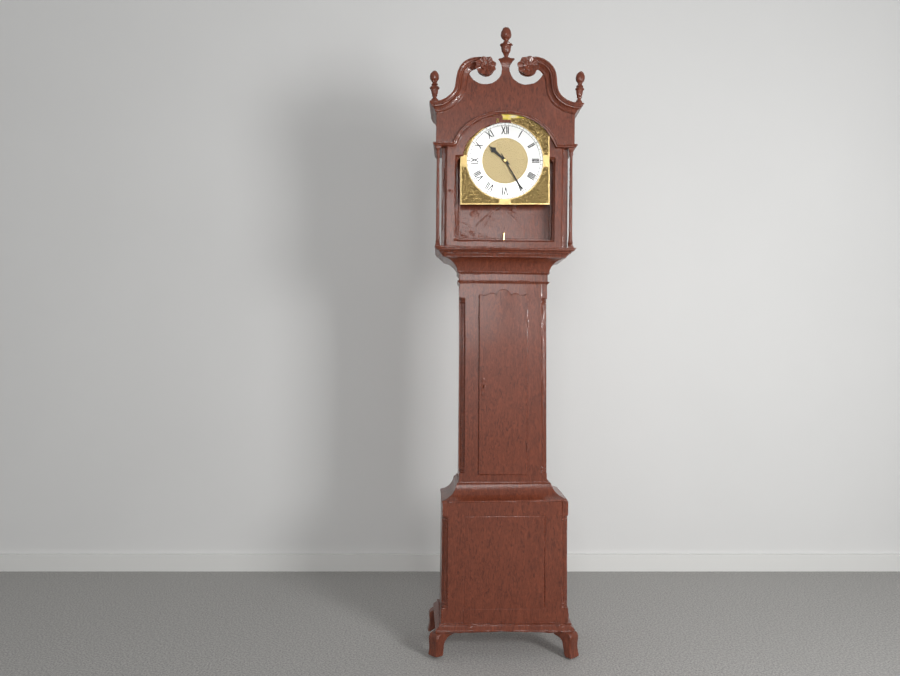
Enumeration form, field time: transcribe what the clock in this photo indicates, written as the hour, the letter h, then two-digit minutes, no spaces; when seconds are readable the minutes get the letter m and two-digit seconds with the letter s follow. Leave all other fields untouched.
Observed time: 10h25
